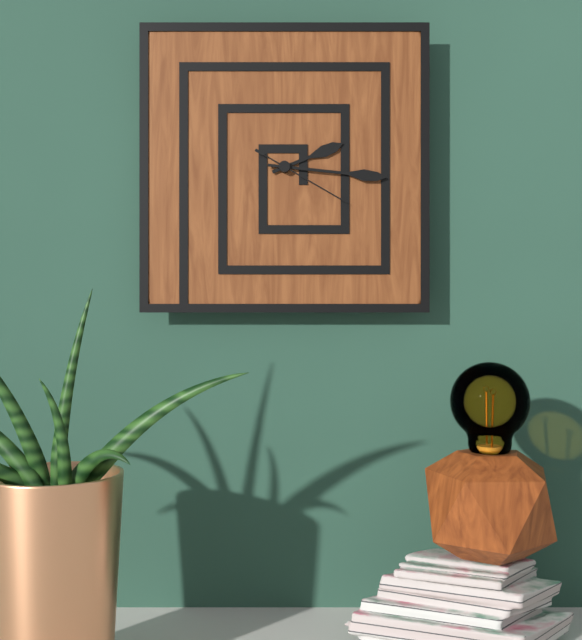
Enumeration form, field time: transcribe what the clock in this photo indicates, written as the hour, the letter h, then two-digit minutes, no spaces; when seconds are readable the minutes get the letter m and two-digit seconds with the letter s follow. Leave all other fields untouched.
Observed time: 2h16m20s
